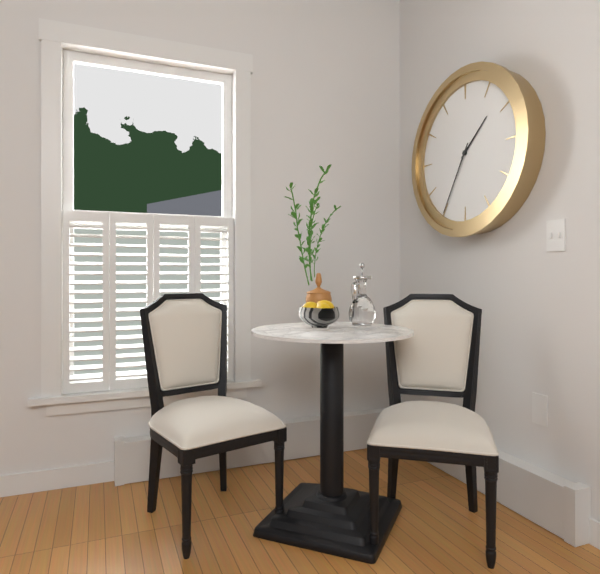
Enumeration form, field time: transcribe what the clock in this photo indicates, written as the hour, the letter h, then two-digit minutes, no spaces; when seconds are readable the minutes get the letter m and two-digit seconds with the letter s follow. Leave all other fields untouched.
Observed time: 1h35
